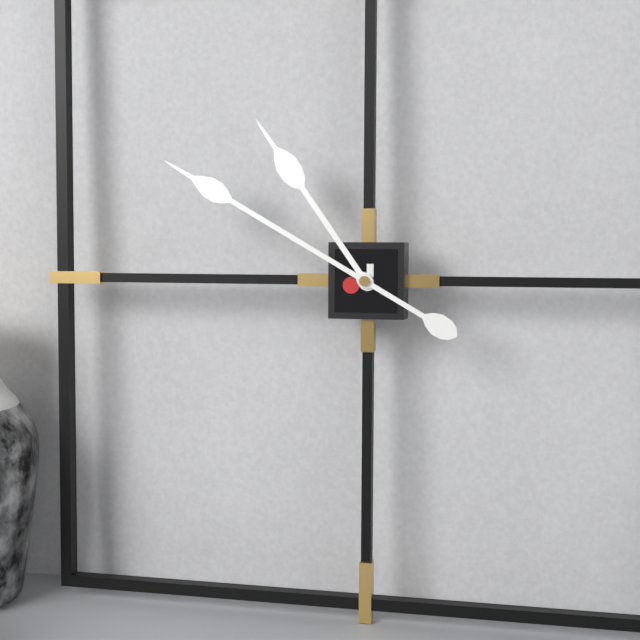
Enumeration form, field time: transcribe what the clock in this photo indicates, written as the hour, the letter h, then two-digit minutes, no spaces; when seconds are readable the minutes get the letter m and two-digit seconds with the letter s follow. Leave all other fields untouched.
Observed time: 10h50
